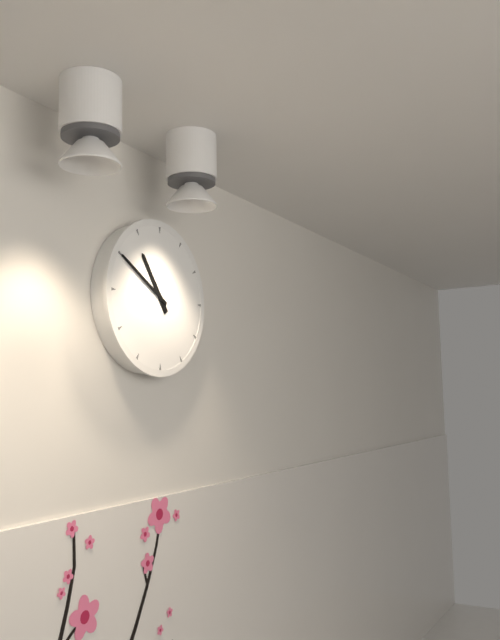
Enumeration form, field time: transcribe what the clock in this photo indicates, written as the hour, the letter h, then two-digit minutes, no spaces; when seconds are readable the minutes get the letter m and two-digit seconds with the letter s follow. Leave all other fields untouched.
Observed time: 10h50
